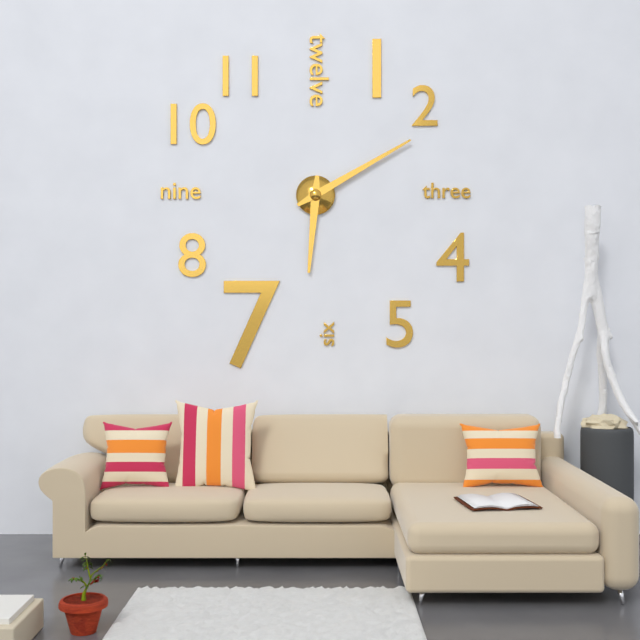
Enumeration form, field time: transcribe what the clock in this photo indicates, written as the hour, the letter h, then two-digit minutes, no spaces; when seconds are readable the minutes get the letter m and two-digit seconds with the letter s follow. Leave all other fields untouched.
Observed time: 6h10
